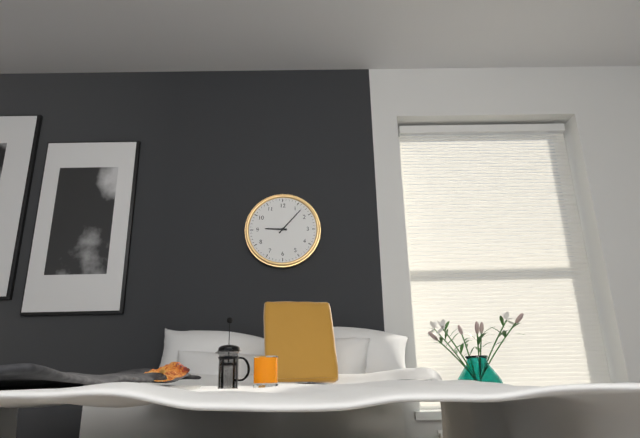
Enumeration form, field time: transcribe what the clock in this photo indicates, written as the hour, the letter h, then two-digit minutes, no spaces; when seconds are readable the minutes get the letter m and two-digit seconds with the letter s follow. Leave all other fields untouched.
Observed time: 9h07
